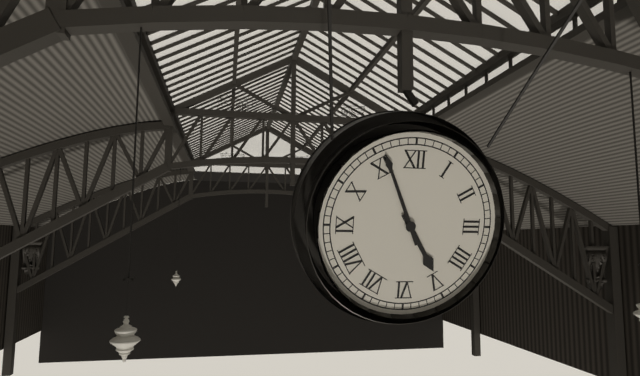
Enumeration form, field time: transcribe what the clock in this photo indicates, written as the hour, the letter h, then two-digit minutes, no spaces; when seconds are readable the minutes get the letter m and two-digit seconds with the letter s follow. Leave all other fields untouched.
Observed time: 4h56
